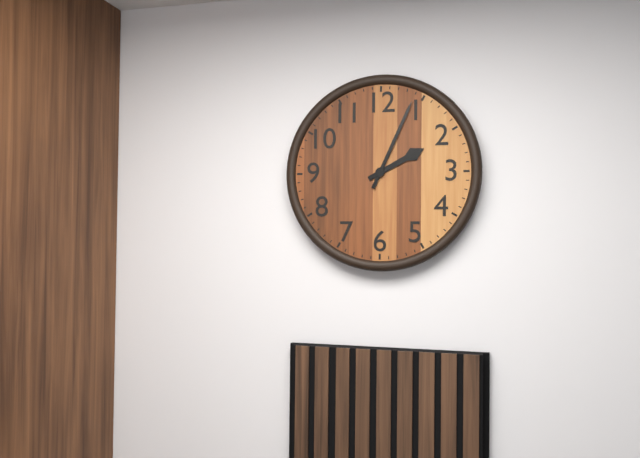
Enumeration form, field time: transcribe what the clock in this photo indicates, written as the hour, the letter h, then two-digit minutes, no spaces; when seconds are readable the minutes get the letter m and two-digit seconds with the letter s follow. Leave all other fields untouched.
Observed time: 2h04
